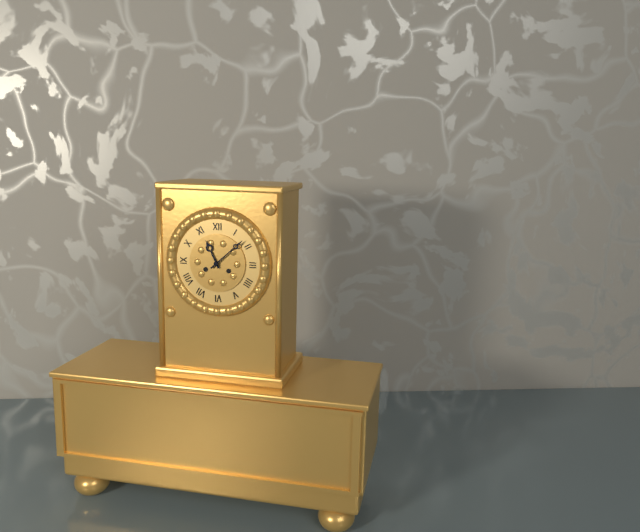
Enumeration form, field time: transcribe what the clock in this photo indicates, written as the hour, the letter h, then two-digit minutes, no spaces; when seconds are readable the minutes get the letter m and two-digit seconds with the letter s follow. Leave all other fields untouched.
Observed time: 11h08
